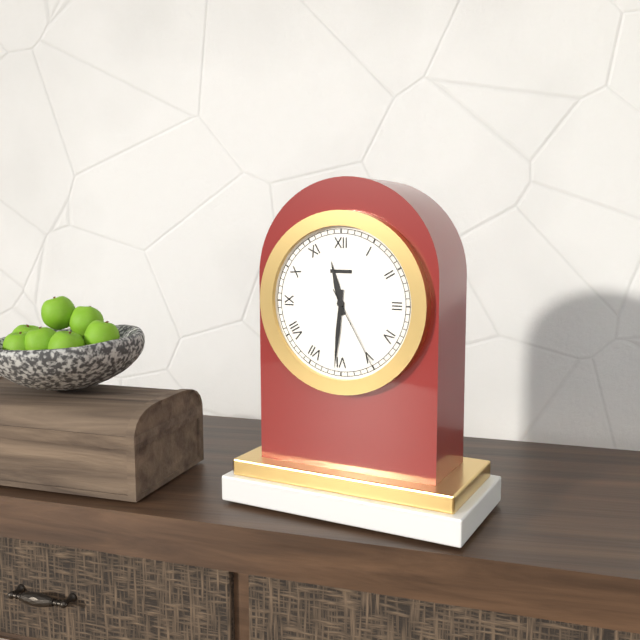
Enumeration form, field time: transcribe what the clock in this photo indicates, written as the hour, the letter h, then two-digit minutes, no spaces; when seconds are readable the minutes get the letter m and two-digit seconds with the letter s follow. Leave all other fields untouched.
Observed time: 11h31m25s
